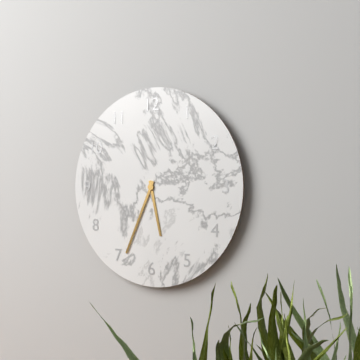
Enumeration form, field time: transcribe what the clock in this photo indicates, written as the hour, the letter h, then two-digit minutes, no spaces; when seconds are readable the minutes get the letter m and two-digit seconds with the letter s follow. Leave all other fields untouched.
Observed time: 5h34
